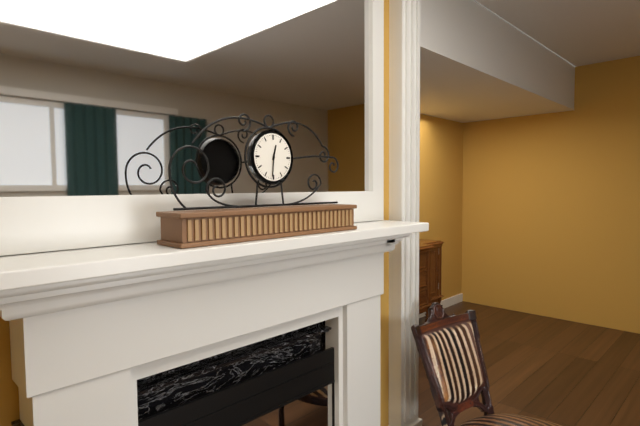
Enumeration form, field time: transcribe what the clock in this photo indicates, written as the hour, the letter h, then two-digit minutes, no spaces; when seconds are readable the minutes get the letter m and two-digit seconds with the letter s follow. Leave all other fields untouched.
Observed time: 12h31
